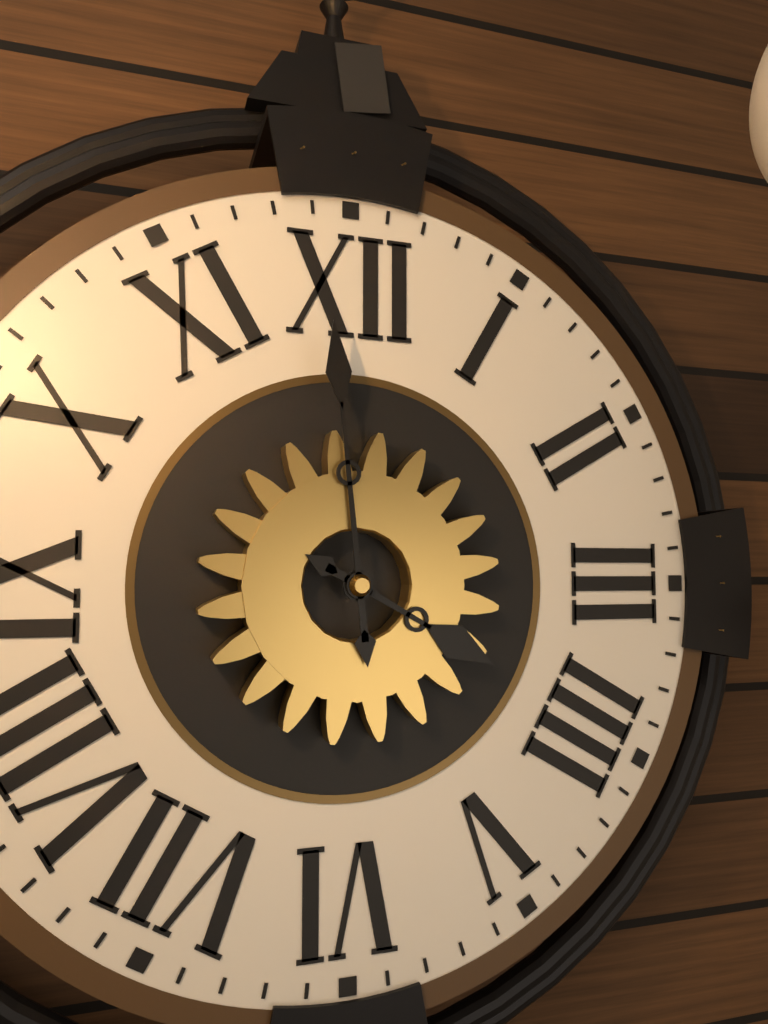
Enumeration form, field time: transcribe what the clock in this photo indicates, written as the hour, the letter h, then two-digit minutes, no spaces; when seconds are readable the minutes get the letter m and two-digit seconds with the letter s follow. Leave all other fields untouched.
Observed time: 3h59
